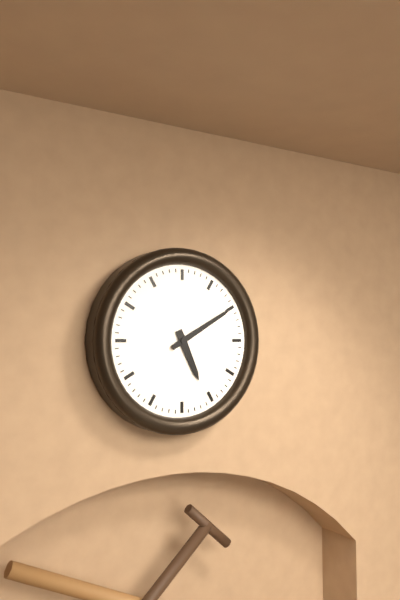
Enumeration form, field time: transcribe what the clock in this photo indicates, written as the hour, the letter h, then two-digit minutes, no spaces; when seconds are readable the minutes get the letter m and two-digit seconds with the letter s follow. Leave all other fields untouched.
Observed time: 5h10
